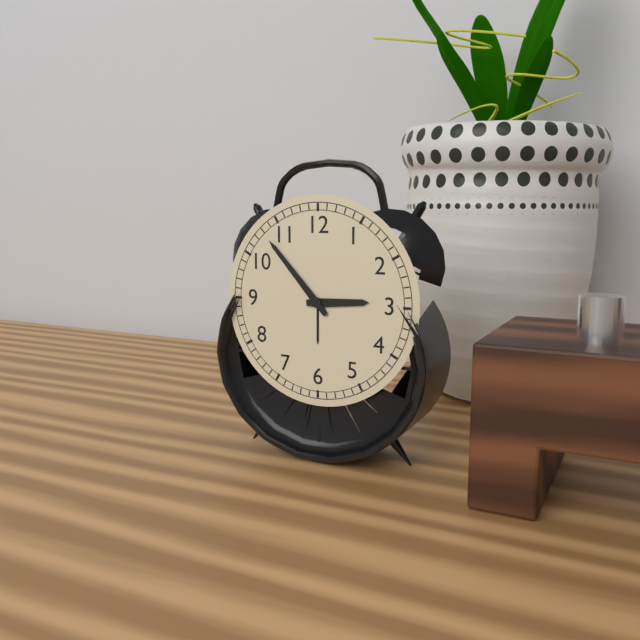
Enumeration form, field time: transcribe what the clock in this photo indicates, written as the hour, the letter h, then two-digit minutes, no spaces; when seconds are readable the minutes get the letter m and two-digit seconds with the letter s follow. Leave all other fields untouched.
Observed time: 2h53
